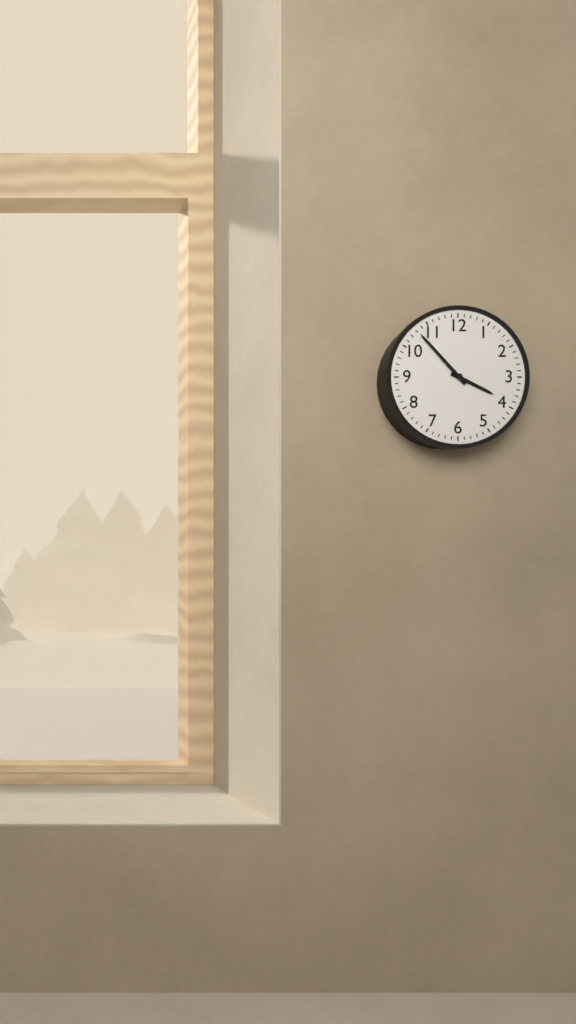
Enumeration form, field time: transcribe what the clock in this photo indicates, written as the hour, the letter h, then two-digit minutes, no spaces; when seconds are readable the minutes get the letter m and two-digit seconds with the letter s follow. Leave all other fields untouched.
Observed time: 3h53
